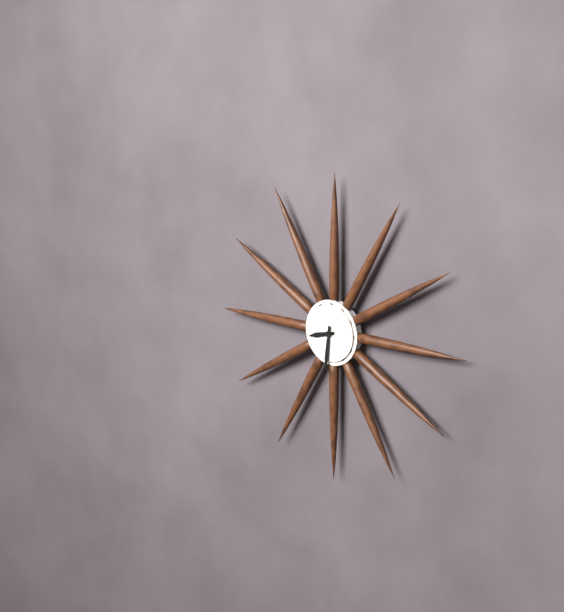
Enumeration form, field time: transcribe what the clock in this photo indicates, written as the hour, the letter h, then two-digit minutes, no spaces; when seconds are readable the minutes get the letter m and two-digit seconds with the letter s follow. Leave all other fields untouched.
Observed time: 8h31
